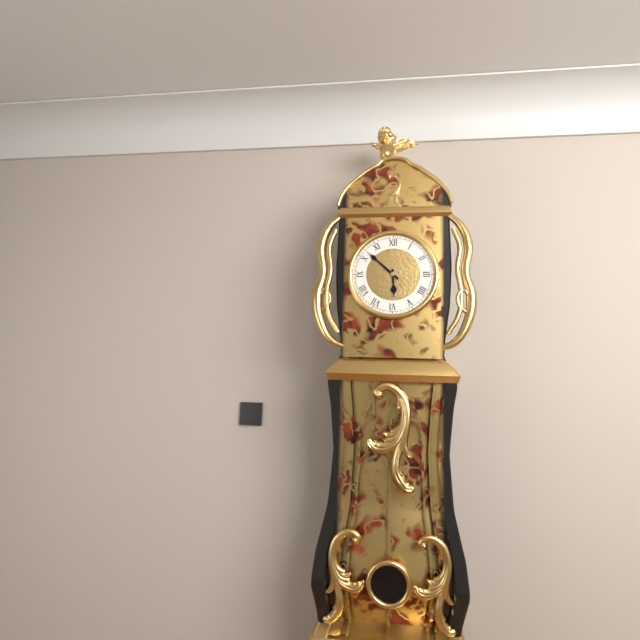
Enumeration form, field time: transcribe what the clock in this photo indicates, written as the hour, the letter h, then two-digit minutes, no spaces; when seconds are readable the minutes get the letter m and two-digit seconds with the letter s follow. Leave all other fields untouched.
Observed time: 5h52
